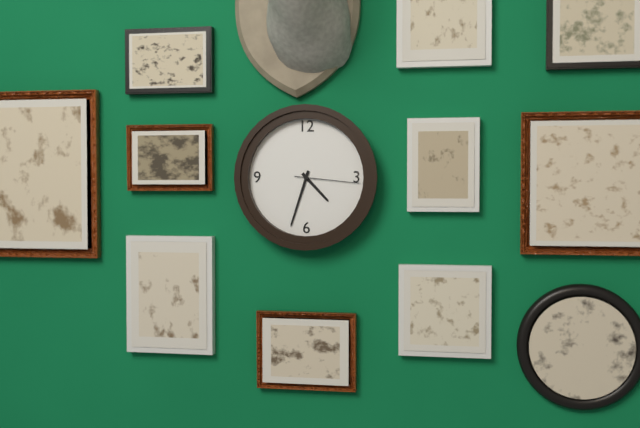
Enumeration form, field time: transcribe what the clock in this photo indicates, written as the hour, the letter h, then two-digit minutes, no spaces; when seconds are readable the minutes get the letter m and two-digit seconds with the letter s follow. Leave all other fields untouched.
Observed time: 4h33m16s
